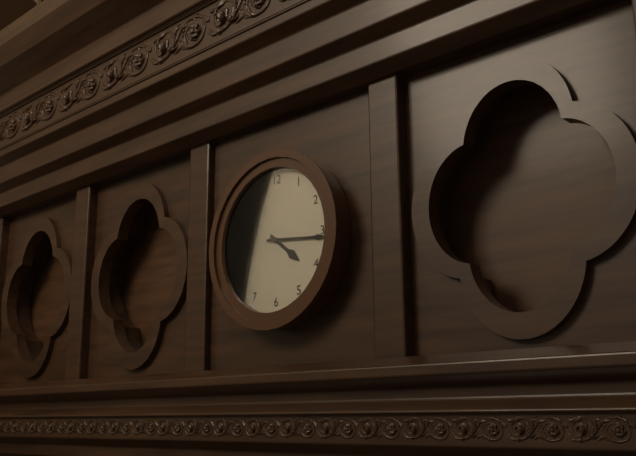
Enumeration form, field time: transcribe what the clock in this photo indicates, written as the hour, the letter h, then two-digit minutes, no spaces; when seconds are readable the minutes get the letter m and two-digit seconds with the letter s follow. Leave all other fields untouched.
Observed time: 4h16
